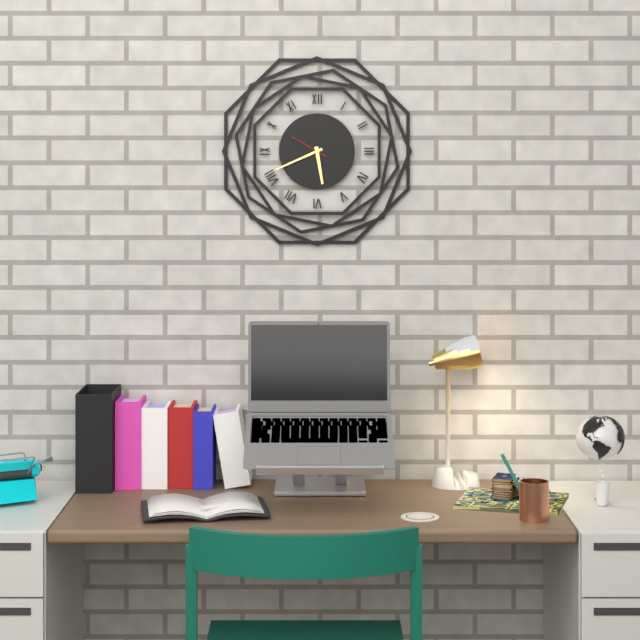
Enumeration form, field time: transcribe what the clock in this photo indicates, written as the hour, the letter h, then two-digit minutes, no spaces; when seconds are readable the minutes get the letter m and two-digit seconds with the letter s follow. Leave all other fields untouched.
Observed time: 5h41
